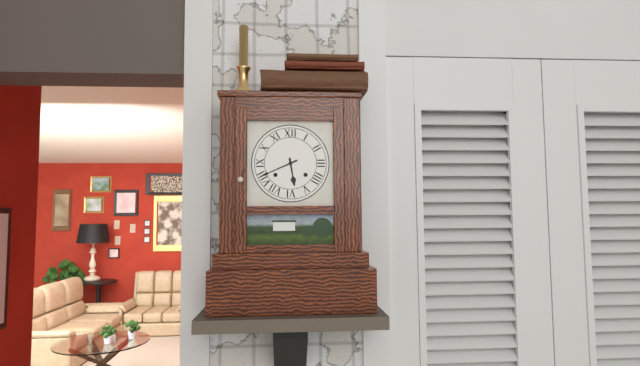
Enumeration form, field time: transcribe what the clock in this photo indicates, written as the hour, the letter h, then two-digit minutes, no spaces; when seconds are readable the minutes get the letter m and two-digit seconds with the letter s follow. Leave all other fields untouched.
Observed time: 5h41
